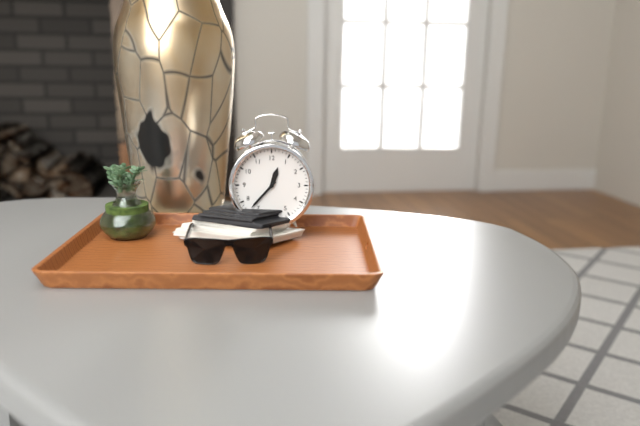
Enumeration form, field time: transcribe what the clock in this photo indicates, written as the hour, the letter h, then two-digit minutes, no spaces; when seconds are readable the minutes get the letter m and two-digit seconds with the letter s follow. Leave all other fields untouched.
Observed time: 12h37
